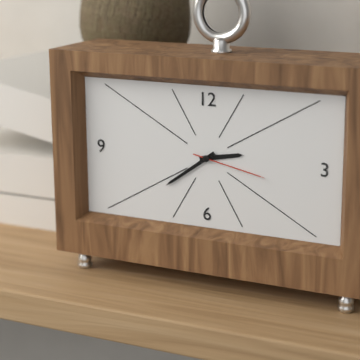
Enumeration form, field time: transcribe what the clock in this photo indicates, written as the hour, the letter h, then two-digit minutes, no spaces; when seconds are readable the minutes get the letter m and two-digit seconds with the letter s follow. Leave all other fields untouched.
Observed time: 2h39m17s
